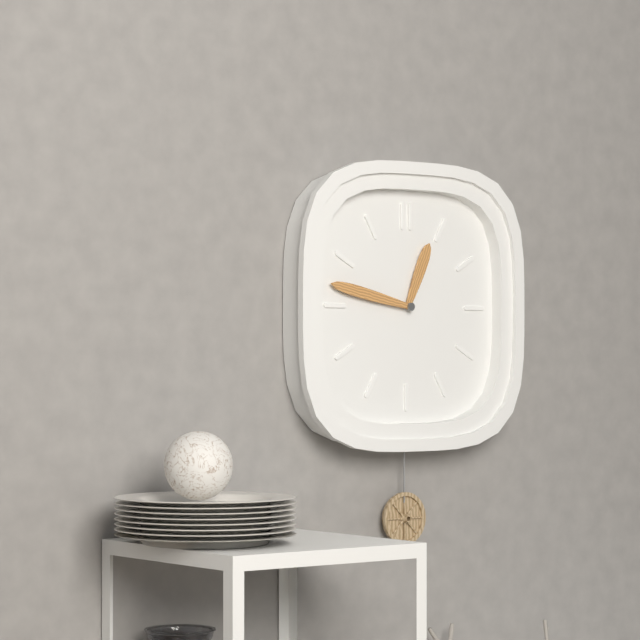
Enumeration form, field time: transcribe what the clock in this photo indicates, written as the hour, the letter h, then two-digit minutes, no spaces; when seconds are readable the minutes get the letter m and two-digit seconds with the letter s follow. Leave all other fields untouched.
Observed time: 12h47
